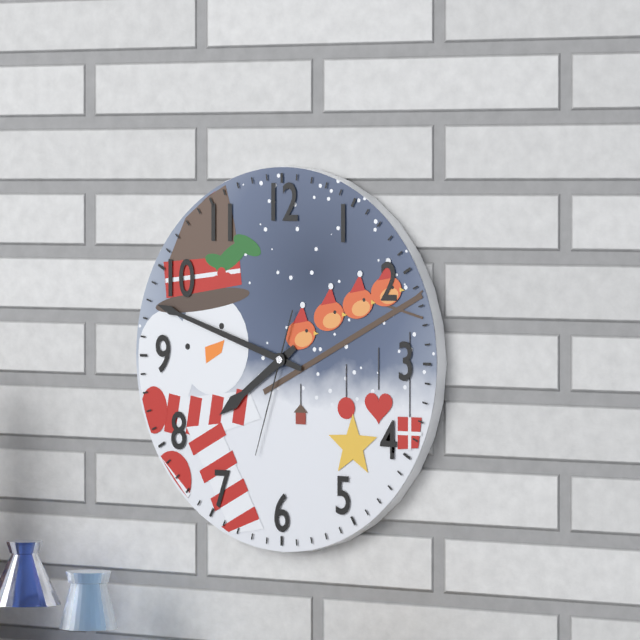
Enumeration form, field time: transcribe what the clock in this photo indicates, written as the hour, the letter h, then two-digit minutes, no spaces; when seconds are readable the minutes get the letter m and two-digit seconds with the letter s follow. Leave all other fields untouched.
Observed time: 7h48m33s
